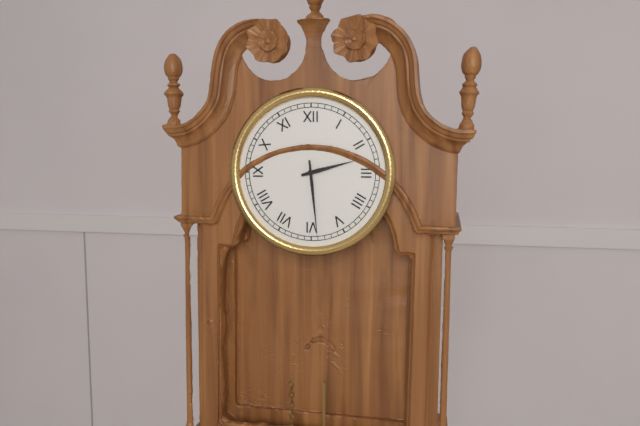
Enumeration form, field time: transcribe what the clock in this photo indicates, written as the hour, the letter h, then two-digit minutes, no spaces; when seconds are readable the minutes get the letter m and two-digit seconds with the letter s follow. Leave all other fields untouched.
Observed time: 2h29
